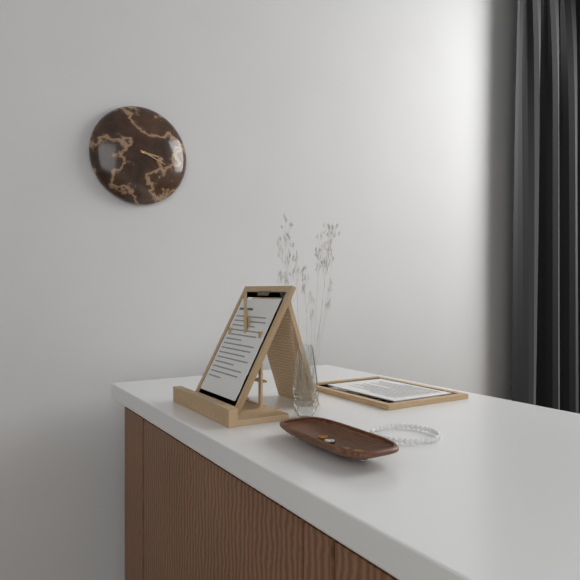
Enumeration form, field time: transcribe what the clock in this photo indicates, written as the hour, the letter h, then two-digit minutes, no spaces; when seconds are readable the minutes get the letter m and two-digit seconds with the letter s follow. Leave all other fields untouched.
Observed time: 3h19
